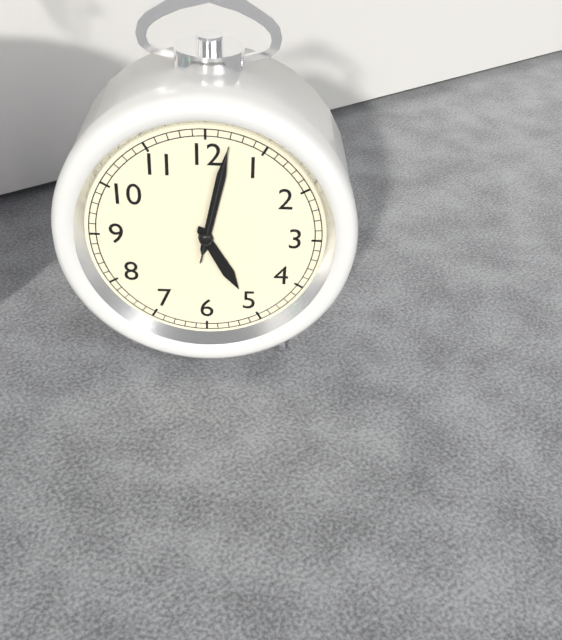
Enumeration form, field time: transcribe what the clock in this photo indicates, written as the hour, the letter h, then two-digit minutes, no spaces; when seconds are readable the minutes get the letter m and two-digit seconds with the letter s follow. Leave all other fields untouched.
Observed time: 5h02m02s
